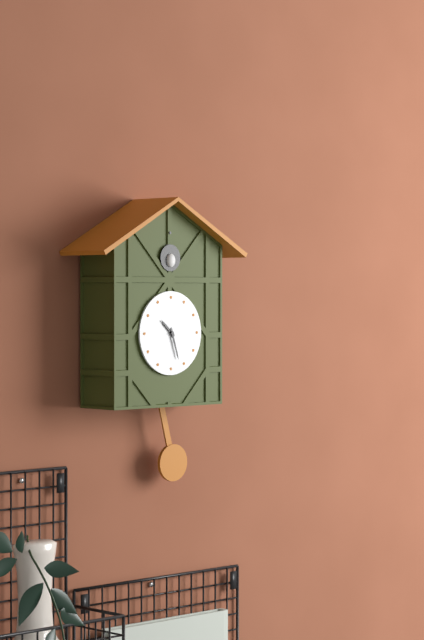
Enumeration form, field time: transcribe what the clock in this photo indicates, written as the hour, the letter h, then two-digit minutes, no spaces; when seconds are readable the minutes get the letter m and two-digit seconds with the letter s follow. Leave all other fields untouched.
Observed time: 10h27
